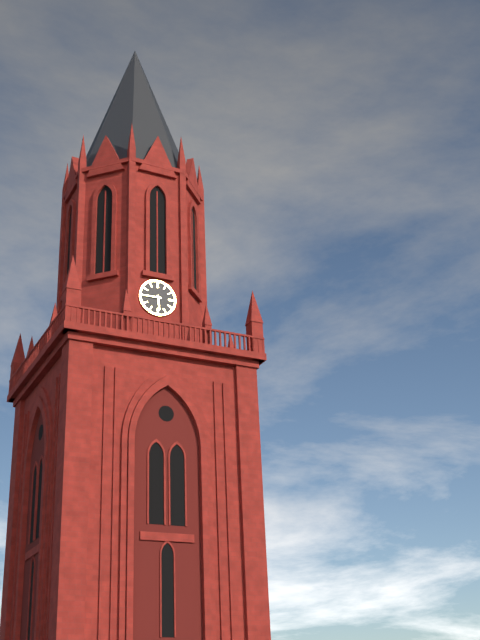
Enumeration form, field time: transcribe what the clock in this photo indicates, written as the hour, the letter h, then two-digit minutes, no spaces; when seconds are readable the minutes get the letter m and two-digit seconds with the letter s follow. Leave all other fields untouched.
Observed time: 5h45
